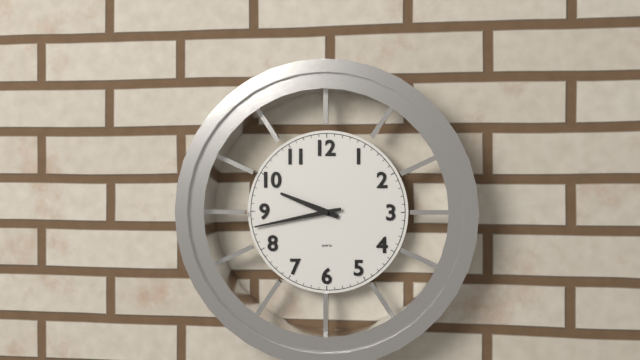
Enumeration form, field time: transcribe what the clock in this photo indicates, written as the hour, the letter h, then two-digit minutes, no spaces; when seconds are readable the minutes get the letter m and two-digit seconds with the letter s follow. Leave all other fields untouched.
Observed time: 9h43
